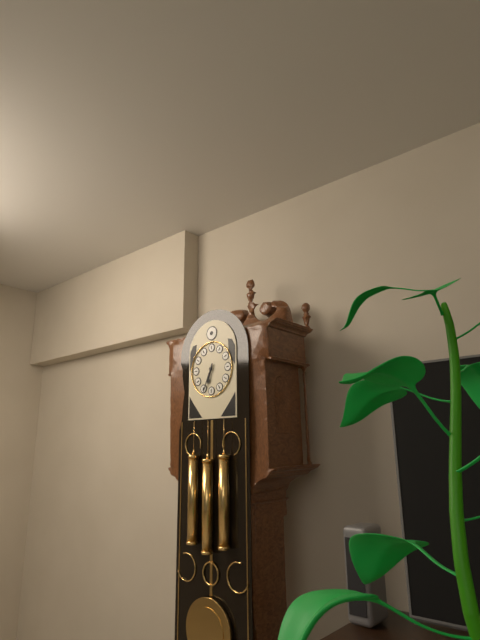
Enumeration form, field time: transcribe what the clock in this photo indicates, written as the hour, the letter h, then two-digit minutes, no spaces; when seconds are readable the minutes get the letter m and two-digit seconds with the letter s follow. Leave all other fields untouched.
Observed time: 6h34
